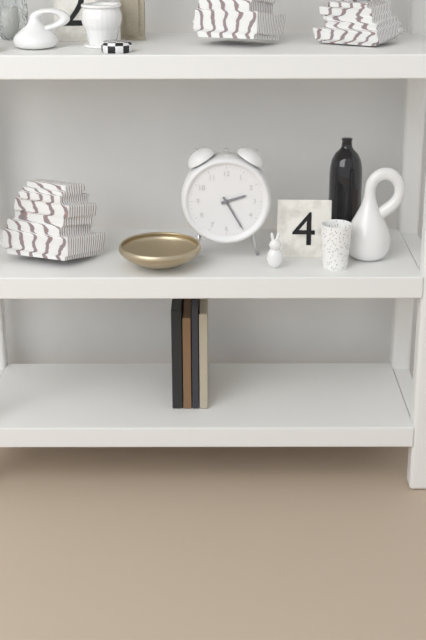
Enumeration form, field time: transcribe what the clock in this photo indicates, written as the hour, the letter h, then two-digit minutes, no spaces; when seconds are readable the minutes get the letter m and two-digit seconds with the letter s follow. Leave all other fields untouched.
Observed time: 2h25
